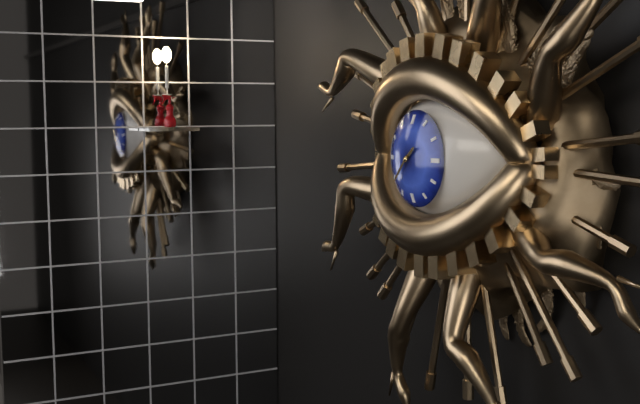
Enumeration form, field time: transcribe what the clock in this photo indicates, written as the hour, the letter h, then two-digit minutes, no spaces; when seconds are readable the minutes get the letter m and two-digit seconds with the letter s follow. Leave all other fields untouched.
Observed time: 1h37
